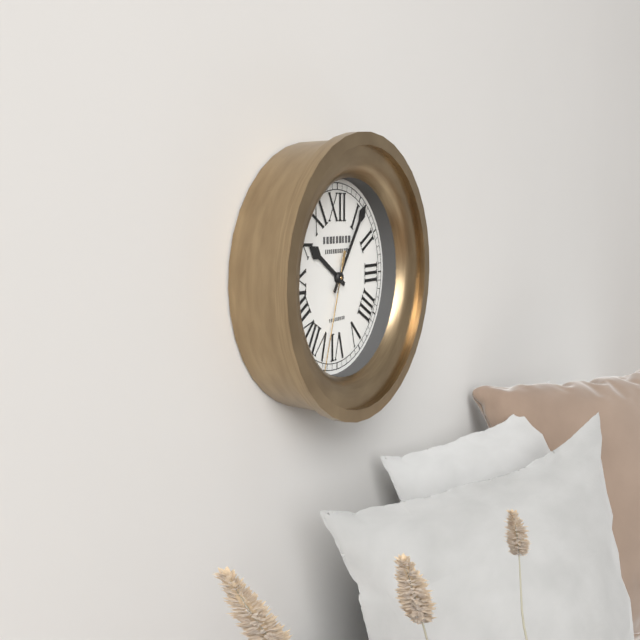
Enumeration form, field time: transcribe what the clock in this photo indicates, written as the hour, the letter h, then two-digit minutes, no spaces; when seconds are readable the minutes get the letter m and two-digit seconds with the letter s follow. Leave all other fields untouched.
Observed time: 10h06m33s
